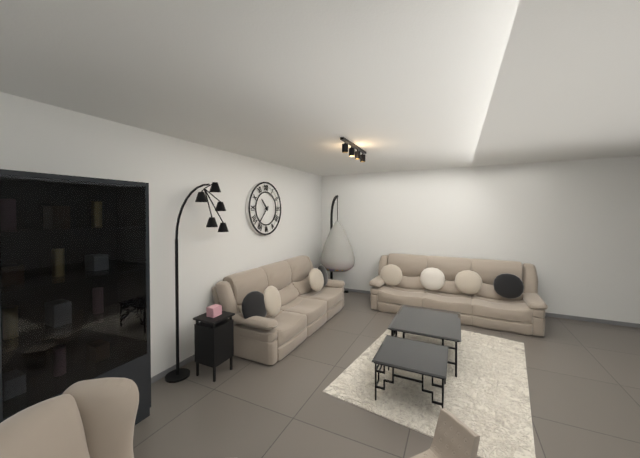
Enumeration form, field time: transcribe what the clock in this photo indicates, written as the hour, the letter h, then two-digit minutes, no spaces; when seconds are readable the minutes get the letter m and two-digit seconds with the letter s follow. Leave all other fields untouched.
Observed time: 10h37
